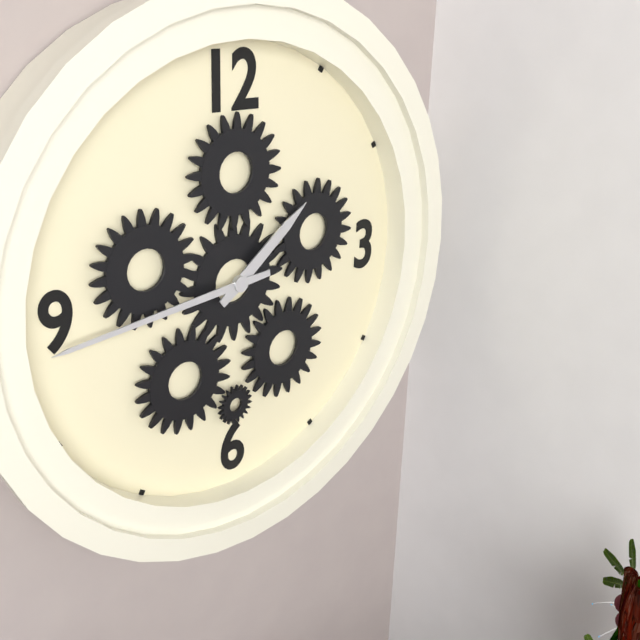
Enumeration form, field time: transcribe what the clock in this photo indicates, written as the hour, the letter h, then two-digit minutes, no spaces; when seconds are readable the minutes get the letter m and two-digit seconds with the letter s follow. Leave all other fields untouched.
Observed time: 1h44
